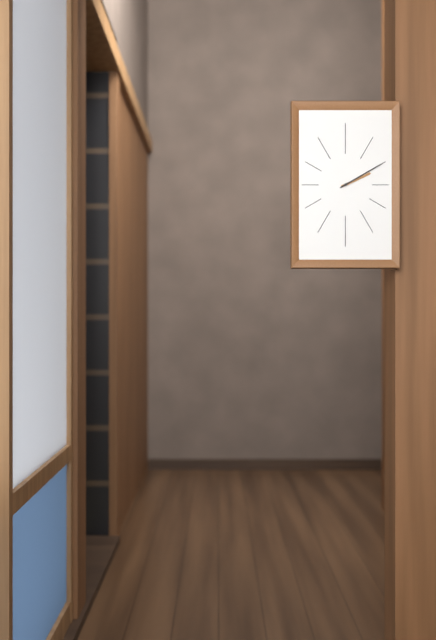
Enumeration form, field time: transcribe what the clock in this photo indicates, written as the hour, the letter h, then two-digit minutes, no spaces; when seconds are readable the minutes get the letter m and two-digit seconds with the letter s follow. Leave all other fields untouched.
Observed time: 2h10
